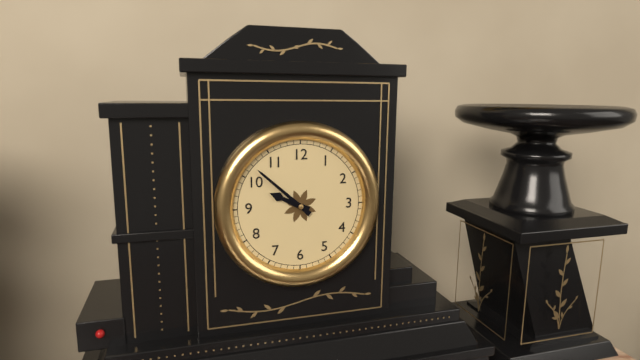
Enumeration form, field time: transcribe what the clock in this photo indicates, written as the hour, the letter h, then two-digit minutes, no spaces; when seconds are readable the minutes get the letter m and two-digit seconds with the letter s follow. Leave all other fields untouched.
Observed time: 9h52
